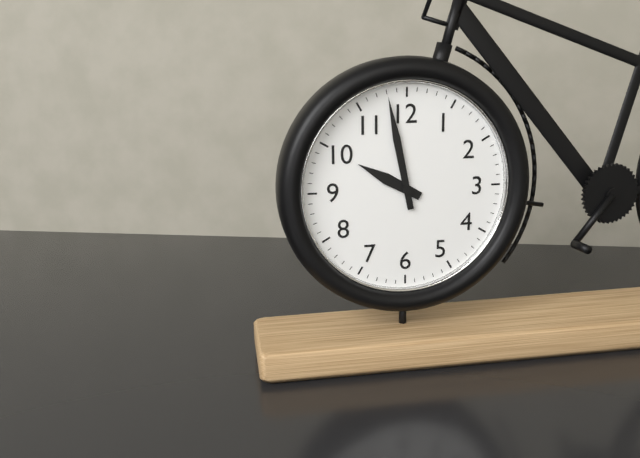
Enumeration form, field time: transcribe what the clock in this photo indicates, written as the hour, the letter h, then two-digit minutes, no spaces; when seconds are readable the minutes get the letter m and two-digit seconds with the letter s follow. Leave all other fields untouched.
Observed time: 9h58
